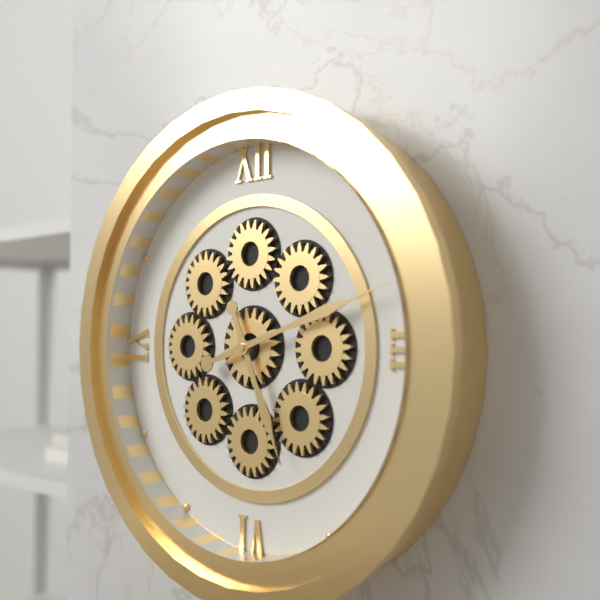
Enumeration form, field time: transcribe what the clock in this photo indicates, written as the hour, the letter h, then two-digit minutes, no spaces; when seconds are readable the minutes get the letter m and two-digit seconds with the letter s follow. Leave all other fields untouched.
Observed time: 5h12
